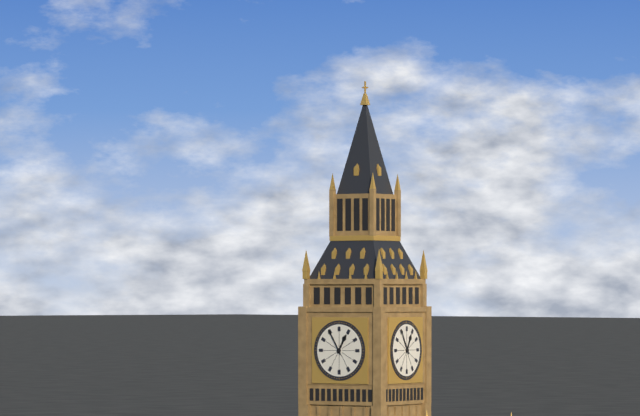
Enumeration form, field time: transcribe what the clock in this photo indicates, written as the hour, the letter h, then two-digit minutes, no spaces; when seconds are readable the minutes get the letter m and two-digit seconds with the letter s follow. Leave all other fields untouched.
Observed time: 12h55
